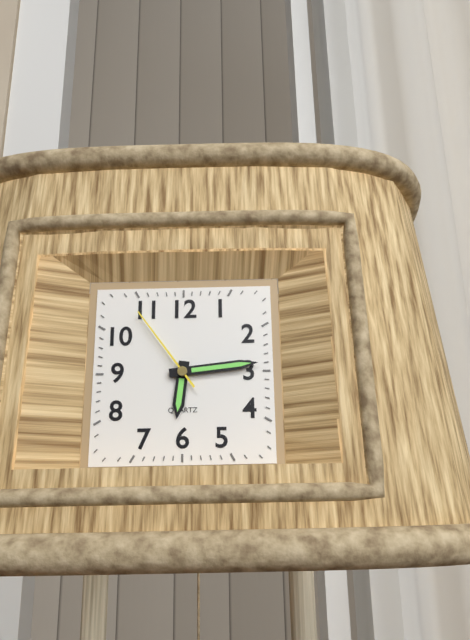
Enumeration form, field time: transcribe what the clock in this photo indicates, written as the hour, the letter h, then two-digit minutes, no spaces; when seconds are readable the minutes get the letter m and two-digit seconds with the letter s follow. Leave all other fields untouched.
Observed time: 6h14m54s
